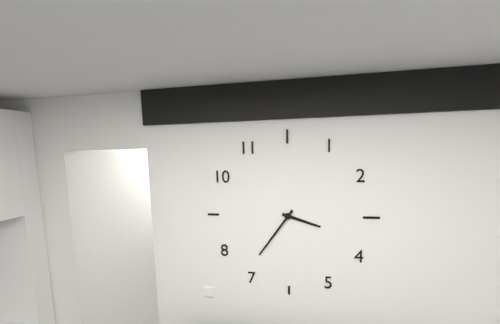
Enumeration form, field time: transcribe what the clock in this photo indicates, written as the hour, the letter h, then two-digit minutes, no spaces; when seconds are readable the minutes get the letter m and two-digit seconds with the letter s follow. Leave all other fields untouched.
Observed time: 3h36
